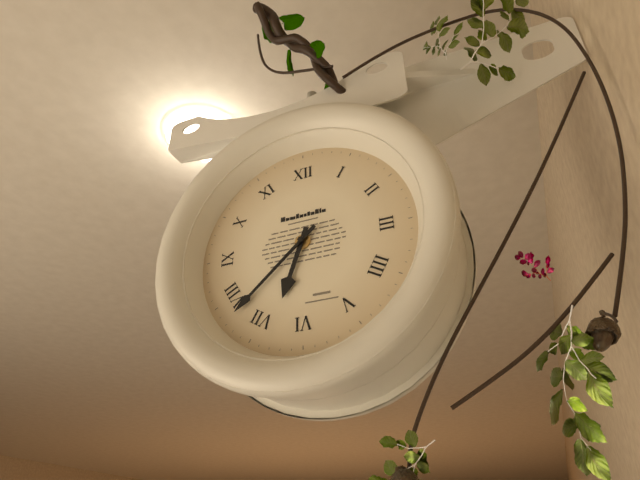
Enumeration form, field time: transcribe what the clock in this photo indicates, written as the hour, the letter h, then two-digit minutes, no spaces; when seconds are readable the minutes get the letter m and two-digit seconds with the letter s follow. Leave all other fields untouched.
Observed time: 6h38
